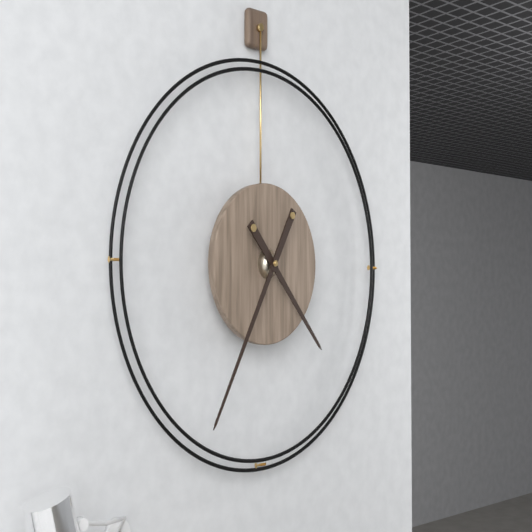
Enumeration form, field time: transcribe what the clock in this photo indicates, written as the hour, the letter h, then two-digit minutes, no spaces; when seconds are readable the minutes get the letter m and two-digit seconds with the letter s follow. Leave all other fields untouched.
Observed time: 4h35
